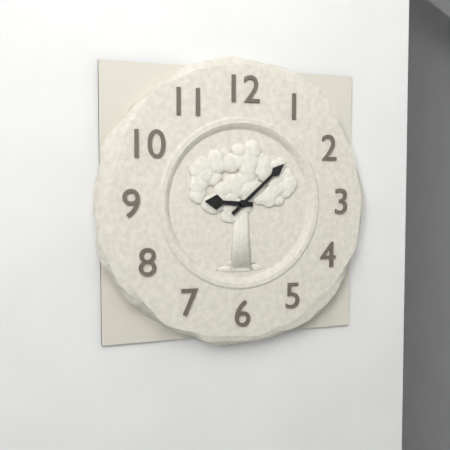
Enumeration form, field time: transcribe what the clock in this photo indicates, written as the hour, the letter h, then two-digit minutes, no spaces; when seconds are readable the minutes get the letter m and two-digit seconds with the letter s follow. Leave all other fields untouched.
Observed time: 9h08
